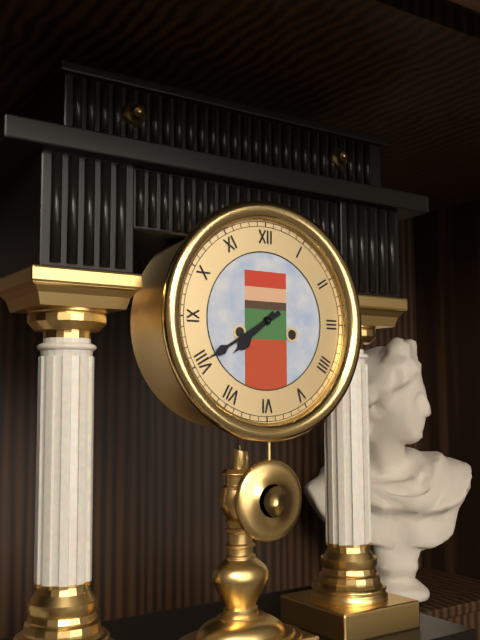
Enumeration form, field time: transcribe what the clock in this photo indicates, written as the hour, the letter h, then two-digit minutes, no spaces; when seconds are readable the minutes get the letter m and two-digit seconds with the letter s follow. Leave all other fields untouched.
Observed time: 7h40
